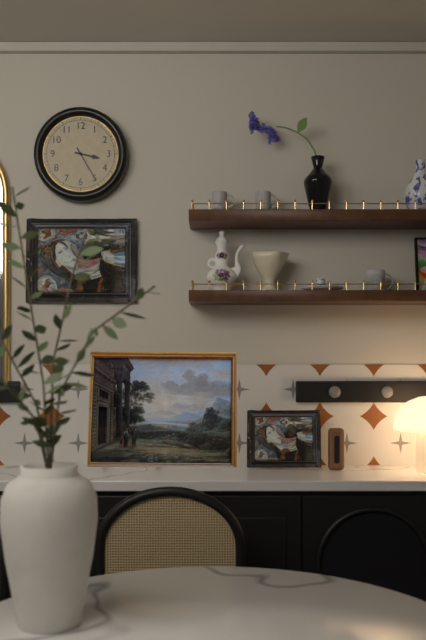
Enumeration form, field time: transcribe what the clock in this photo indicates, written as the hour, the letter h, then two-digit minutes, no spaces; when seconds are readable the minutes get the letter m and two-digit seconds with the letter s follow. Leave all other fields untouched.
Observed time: 3h25
